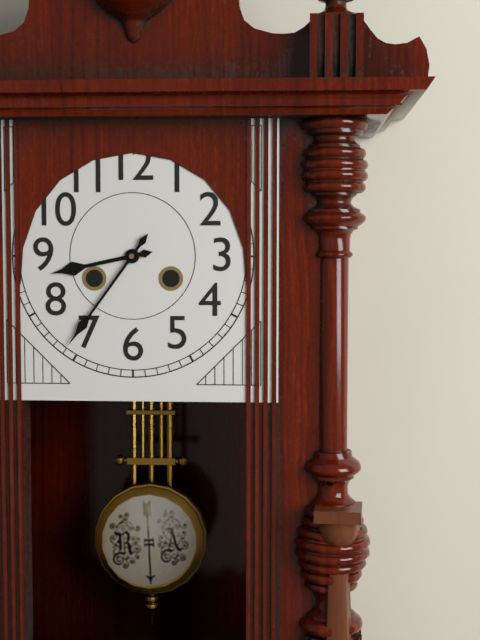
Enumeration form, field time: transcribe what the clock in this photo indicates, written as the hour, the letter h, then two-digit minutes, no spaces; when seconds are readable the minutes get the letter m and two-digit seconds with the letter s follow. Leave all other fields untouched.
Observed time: 8h36
